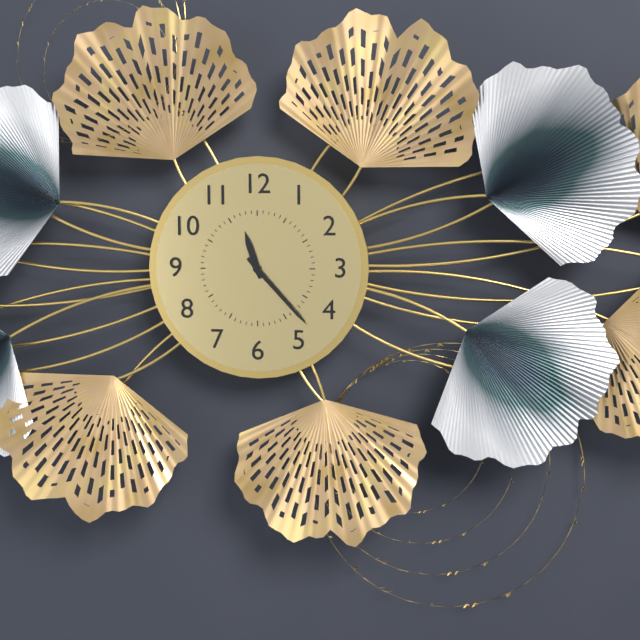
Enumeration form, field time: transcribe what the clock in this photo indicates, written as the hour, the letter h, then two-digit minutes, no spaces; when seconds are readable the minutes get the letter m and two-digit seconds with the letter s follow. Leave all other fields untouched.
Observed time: 11h23
